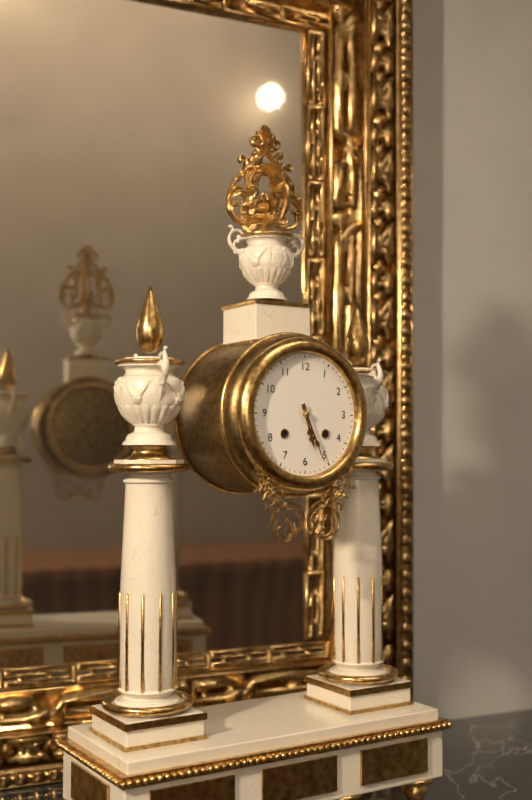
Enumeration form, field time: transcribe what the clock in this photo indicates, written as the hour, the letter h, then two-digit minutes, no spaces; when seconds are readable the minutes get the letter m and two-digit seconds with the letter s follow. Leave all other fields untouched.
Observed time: 5h26
